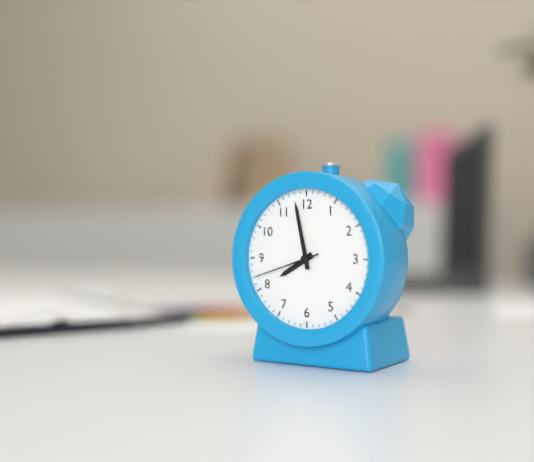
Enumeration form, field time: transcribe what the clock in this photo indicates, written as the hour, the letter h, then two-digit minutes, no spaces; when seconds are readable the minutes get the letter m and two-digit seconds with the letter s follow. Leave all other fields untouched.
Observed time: 7h58m42s
